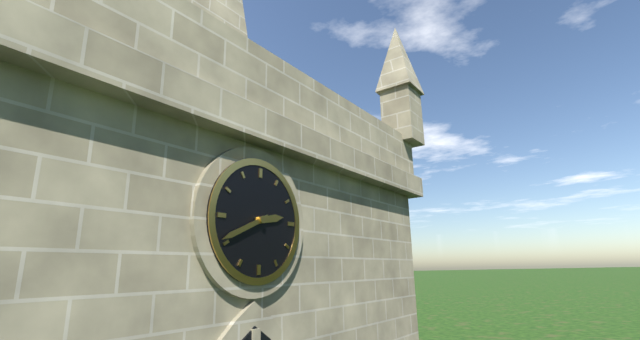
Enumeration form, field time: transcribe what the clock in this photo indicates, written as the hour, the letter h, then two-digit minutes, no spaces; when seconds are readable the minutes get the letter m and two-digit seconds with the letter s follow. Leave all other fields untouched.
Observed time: 2h41
